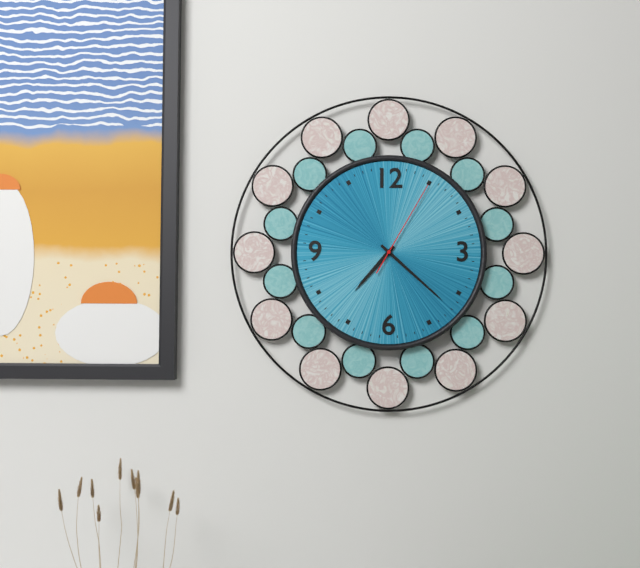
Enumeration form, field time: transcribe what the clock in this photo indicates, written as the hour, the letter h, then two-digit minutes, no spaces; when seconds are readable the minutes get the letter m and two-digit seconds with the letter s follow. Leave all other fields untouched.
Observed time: 7h22m05s
